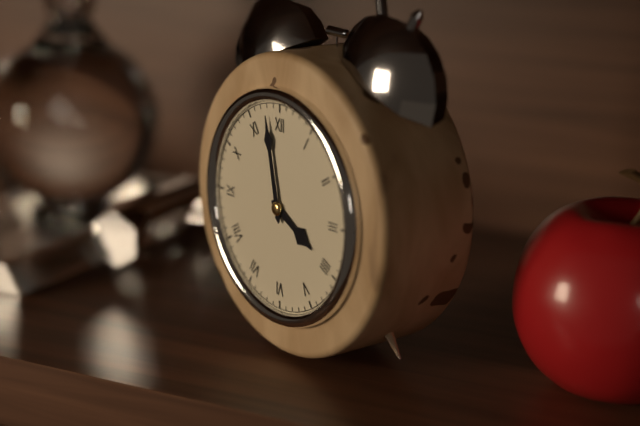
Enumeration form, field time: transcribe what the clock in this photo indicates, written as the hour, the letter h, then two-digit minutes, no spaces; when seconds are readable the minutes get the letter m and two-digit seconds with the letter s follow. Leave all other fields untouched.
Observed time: 3h58
